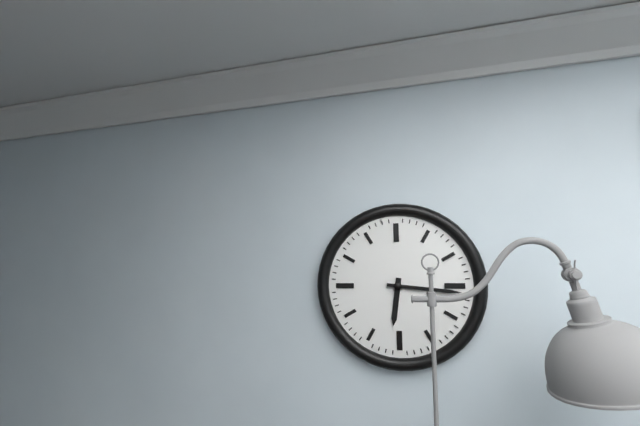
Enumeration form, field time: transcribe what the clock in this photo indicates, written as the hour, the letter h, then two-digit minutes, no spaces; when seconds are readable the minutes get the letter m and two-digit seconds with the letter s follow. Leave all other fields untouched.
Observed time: 6h16
